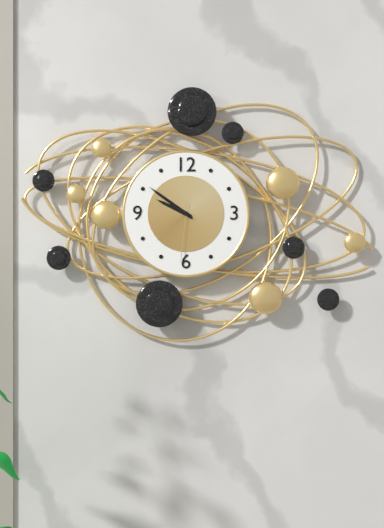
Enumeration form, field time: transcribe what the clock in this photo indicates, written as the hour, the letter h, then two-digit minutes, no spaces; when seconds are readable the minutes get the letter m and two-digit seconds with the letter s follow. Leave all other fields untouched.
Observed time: 9h51m31s
